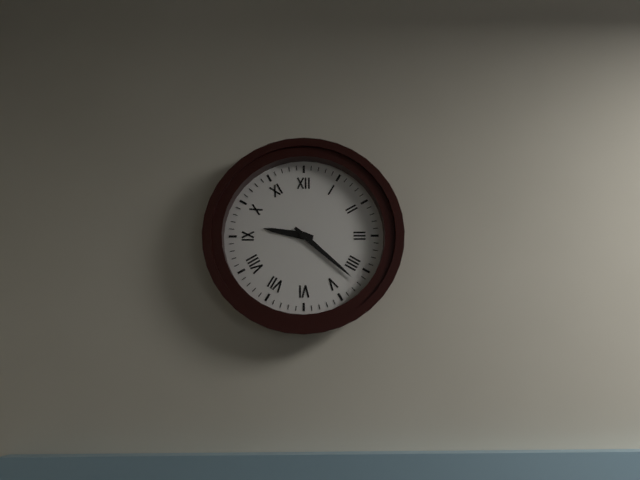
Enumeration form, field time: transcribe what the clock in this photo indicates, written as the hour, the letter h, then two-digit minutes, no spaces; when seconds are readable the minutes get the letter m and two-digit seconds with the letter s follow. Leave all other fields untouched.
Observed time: 9h22
